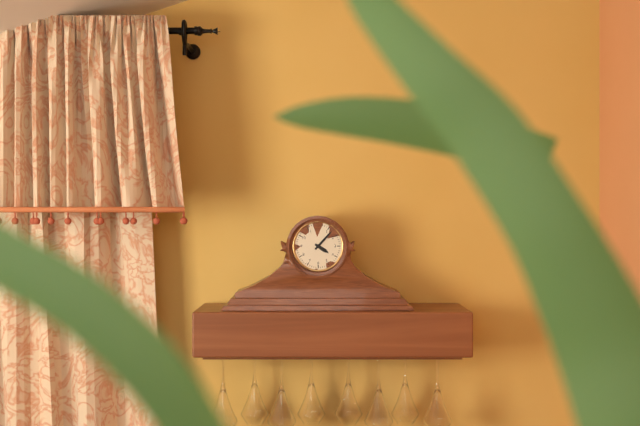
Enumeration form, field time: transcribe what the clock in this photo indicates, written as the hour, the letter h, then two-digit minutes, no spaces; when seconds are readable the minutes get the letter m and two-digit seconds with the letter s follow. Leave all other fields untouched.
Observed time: 4h07
